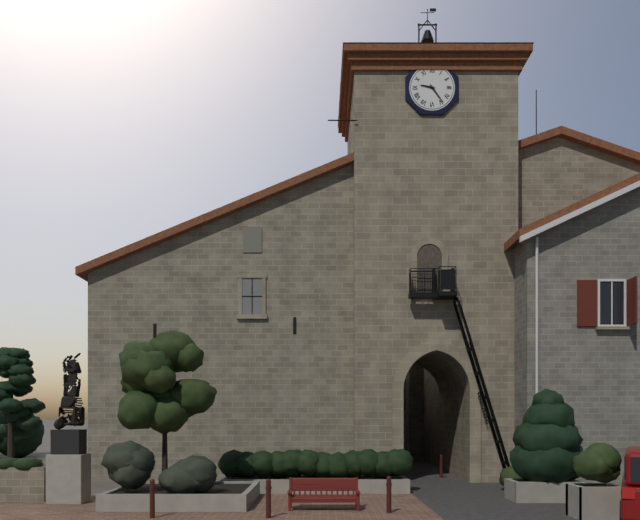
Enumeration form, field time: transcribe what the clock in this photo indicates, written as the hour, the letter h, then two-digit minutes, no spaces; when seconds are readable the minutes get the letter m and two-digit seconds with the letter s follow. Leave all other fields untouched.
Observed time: 9h24
